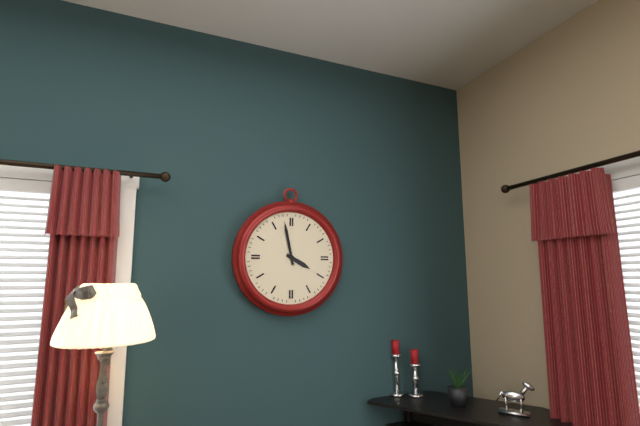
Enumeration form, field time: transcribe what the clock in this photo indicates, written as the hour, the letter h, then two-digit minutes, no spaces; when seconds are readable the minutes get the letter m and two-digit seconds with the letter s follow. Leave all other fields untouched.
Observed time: 3h58
